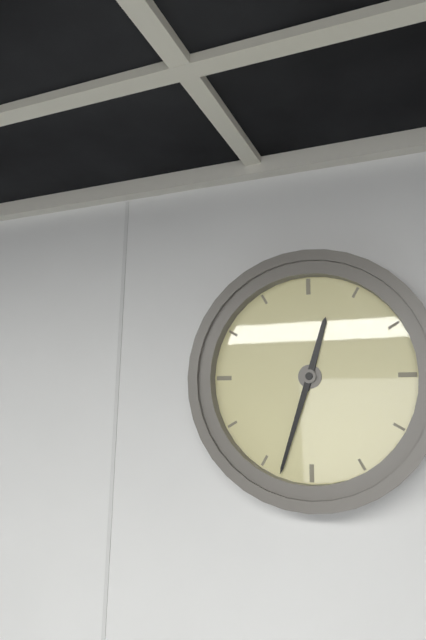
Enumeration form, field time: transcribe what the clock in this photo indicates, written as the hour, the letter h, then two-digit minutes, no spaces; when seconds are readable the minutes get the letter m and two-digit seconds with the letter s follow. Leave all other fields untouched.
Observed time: 12h33
